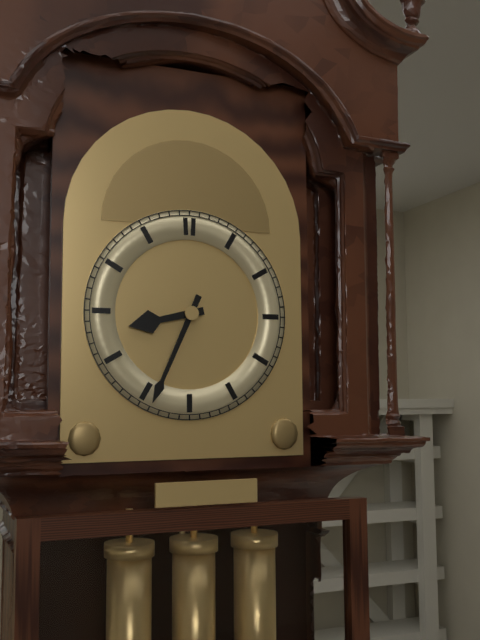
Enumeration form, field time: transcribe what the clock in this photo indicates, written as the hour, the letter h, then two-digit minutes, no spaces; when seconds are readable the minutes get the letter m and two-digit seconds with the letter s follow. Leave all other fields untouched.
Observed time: 8h34
